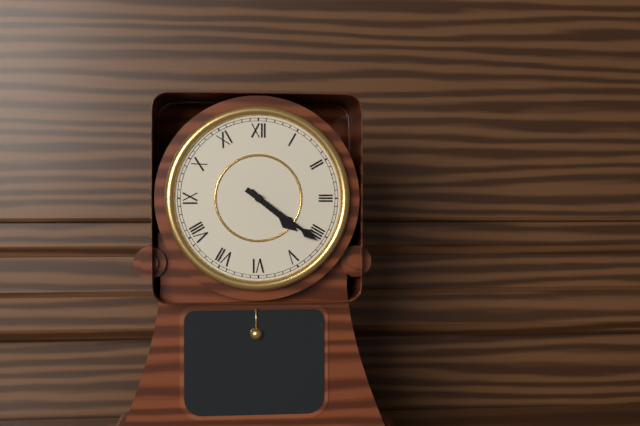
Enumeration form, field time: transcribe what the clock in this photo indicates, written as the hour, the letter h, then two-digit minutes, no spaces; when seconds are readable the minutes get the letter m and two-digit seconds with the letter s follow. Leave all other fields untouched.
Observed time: 4h21
